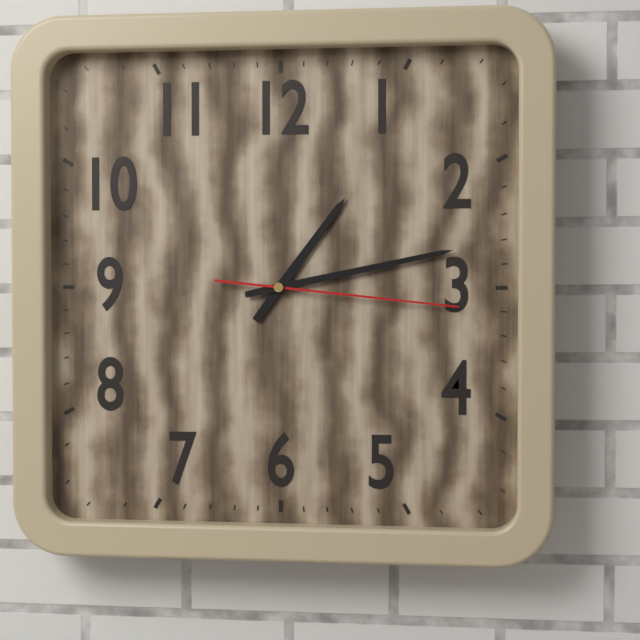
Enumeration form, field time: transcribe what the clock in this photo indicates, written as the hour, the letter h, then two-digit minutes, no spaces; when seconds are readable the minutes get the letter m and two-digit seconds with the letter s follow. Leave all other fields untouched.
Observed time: 1h13m16s
